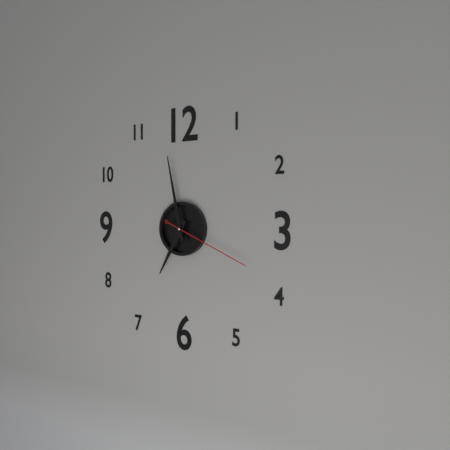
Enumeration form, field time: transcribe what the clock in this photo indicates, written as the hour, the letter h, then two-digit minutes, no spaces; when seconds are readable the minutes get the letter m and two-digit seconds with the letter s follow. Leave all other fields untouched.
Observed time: 6h58m19s
